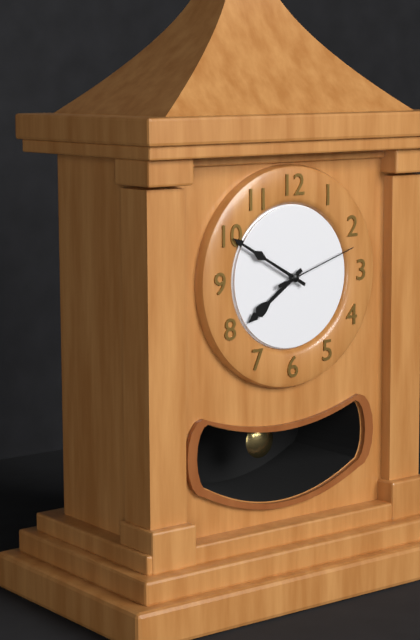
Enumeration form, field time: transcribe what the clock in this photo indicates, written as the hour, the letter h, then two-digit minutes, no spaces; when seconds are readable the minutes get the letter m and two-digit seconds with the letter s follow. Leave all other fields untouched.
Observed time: 7h50m12s
